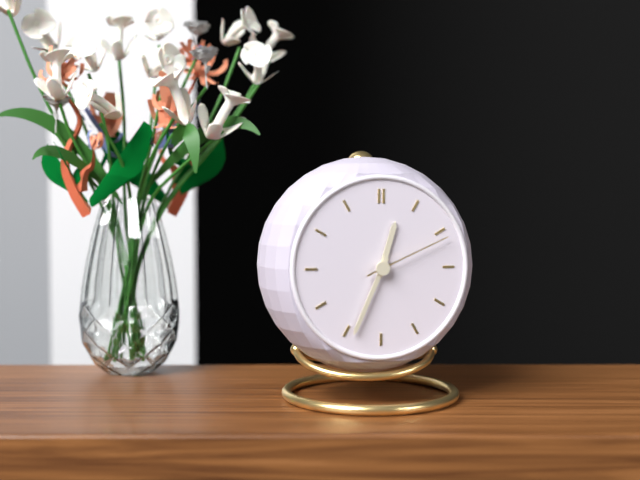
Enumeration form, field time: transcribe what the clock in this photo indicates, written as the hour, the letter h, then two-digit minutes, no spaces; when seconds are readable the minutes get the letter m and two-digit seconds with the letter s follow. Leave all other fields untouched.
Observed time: 12h34m11s
